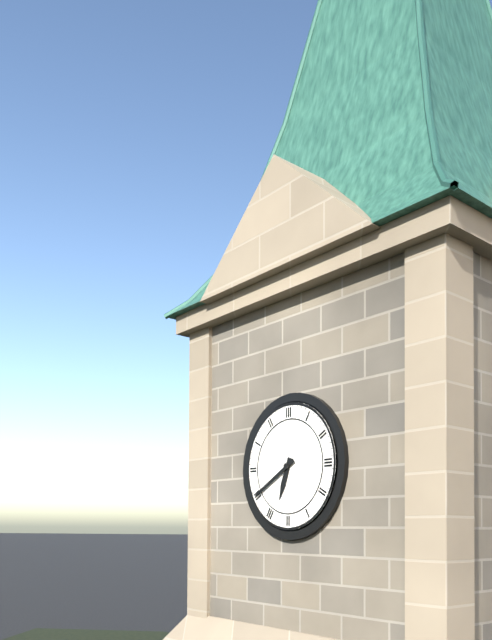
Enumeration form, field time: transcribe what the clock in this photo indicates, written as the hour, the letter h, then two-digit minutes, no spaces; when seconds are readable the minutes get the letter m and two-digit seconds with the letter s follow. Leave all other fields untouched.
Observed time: 6h40
